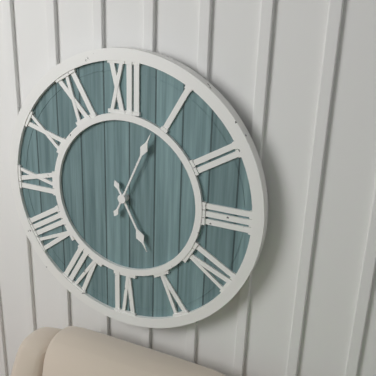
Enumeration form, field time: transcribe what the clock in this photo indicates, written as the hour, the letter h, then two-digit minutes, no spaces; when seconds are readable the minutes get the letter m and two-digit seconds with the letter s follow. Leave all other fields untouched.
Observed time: 5h04
